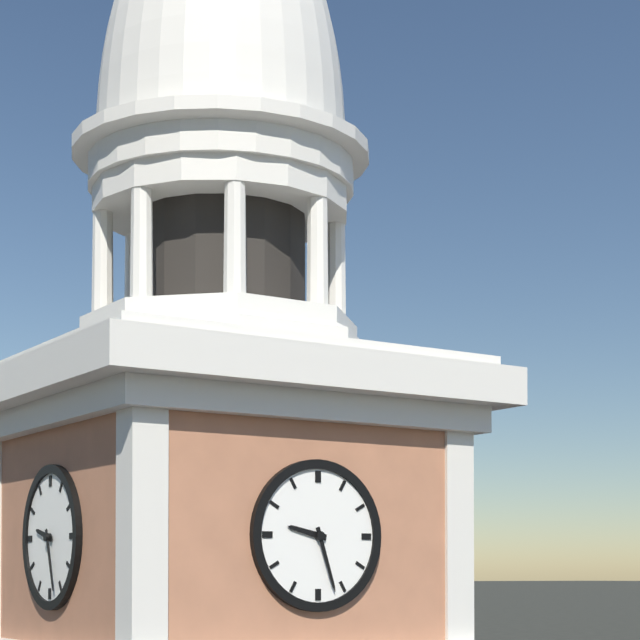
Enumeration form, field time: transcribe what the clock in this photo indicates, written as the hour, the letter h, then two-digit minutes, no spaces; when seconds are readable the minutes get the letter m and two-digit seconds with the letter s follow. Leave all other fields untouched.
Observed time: 9h27
